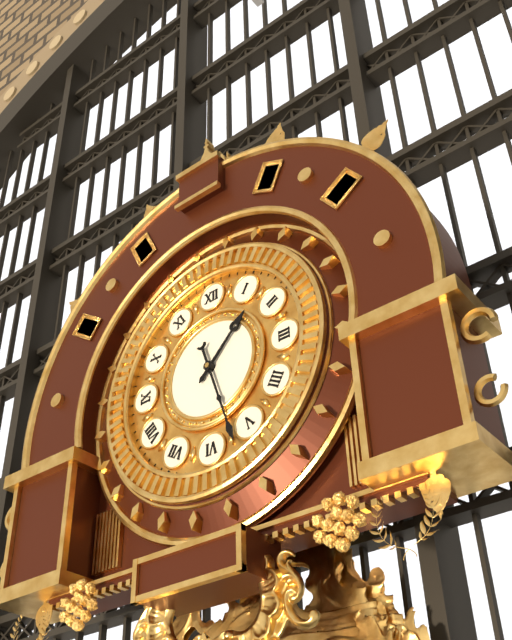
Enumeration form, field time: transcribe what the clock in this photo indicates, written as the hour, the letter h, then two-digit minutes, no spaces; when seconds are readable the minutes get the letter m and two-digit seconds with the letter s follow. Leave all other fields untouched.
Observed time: 1h27
